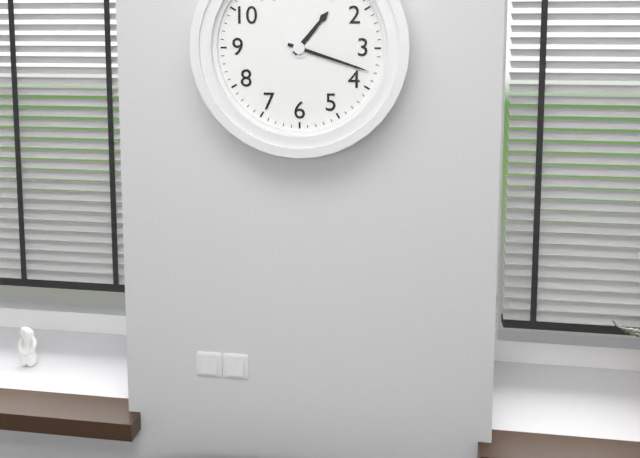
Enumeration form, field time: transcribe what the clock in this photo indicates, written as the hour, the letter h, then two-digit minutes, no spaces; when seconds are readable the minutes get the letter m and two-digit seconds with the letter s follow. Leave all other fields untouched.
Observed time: 1h18
